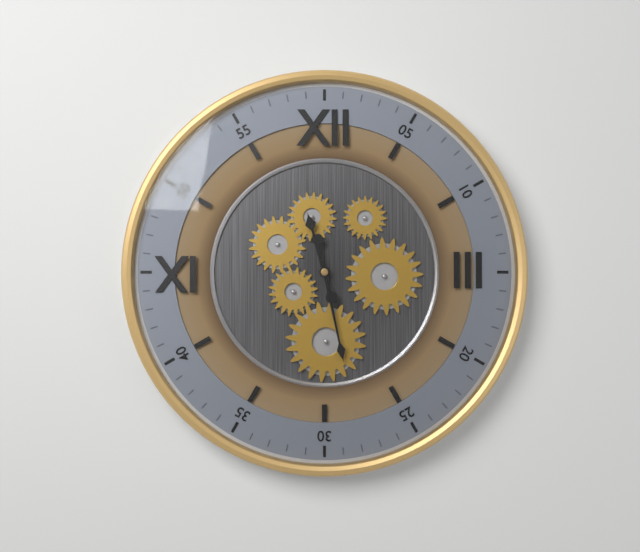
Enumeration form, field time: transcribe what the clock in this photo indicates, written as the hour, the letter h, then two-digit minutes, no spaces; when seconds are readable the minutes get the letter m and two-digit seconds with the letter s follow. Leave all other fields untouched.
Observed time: 11h28
